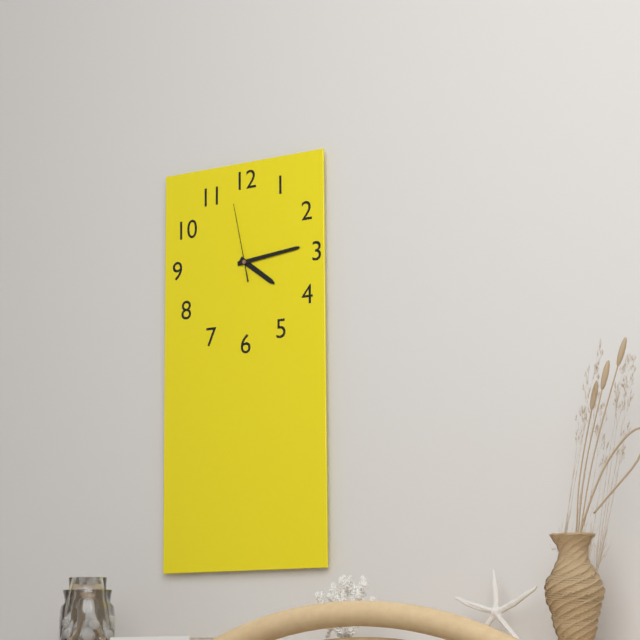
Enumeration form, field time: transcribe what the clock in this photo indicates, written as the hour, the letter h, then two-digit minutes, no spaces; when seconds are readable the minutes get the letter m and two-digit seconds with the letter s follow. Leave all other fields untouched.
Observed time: 4h14m58s
